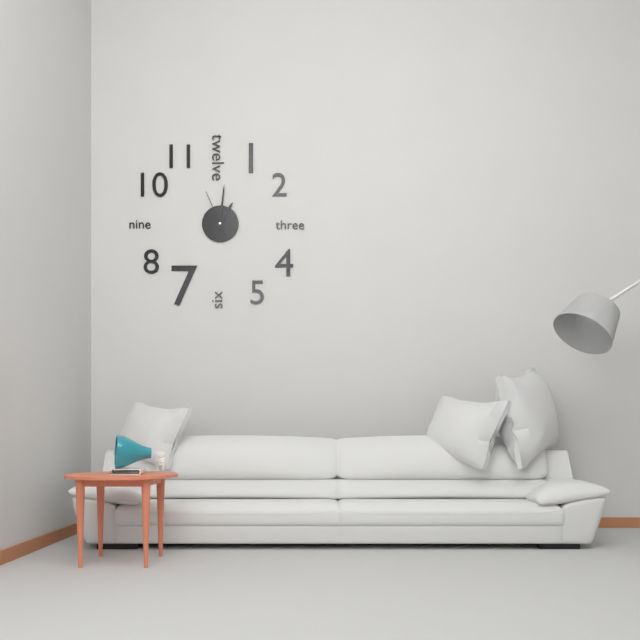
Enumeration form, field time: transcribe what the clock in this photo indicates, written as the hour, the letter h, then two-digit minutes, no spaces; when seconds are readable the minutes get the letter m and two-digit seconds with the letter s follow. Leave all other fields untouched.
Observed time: 1h01
